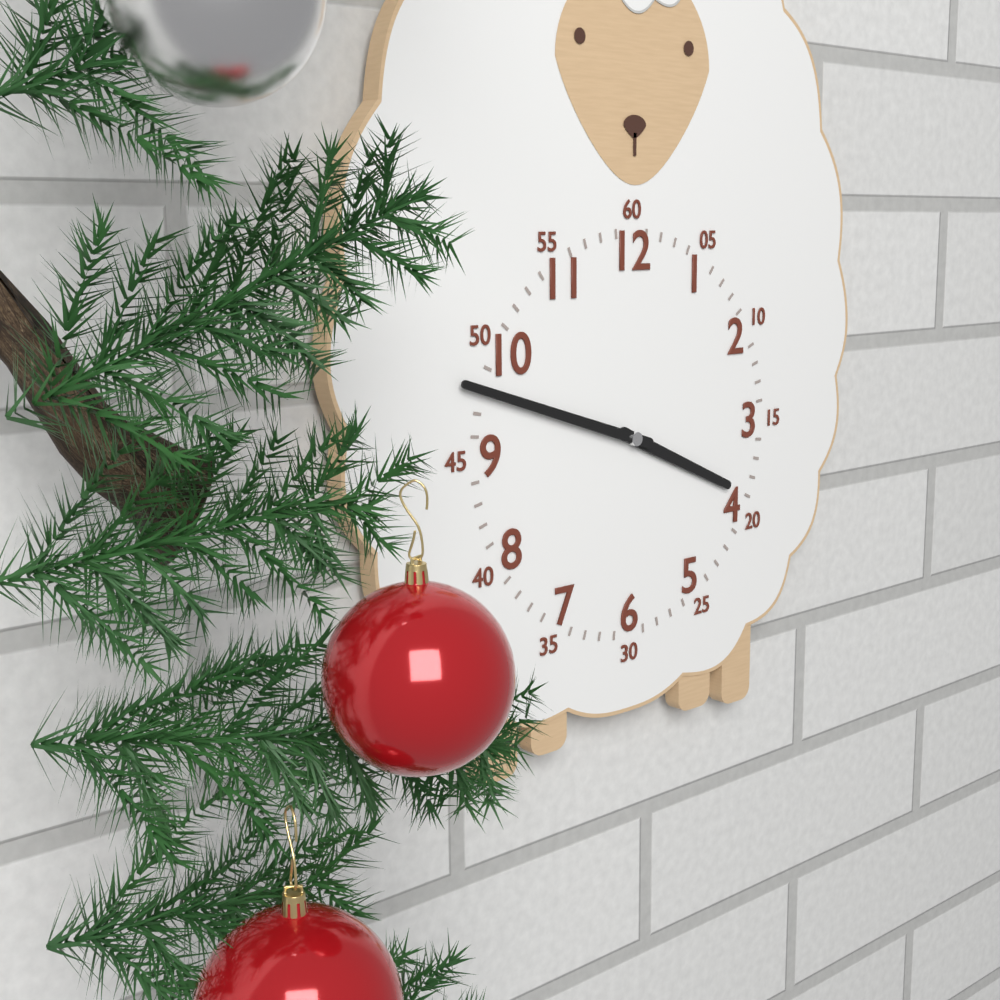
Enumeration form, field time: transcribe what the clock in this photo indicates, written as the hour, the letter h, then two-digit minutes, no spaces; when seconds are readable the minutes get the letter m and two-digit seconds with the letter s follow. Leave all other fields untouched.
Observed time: 3h48
